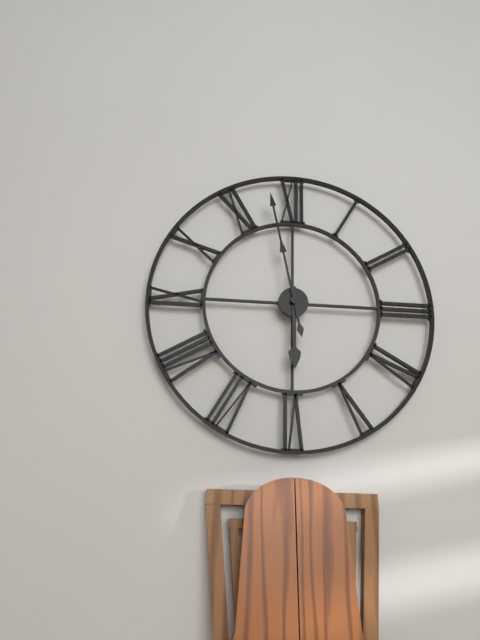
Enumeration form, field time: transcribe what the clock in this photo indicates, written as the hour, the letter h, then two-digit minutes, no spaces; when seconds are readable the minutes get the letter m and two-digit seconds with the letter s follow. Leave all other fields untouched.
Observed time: 5h58
